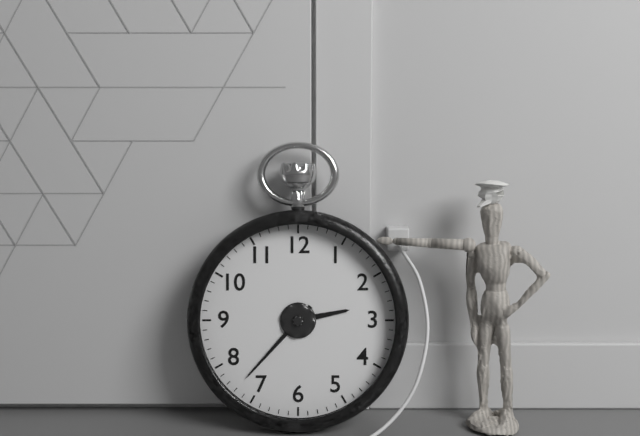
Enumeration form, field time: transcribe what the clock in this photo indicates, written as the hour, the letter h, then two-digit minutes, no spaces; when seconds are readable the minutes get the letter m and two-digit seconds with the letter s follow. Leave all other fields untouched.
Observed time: 2h37
